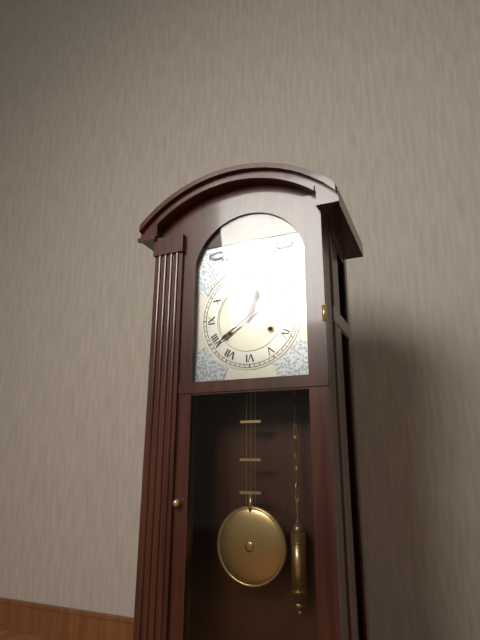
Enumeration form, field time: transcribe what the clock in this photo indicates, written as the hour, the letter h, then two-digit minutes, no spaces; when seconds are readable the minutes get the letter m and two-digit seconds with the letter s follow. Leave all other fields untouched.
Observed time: 12h39
